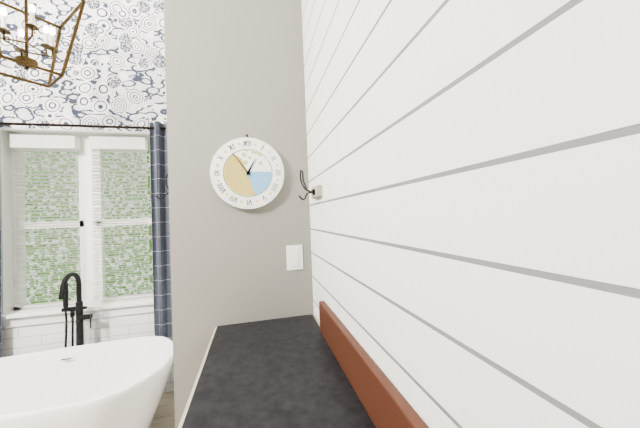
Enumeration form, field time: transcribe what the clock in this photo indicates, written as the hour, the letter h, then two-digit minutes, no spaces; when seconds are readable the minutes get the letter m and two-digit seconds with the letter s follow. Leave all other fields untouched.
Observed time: 12h54
